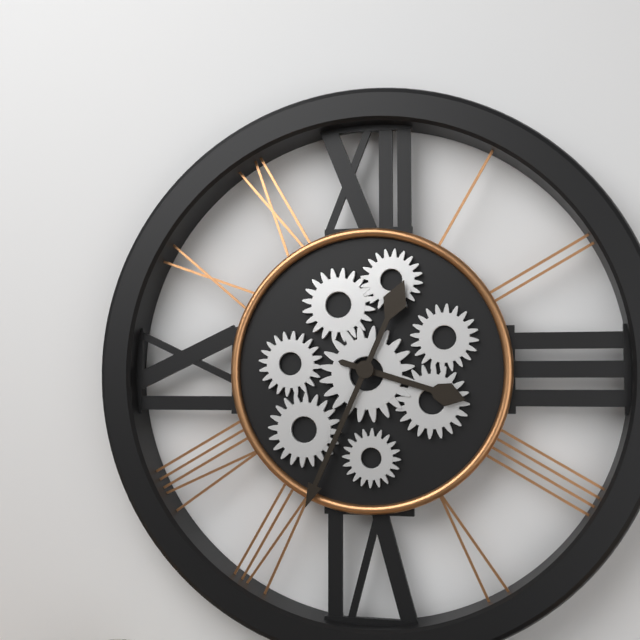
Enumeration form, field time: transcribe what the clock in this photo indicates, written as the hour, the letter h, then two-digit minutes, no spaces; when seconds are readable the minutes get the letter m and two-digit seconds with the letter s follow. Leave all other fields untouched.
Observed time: 3h34
